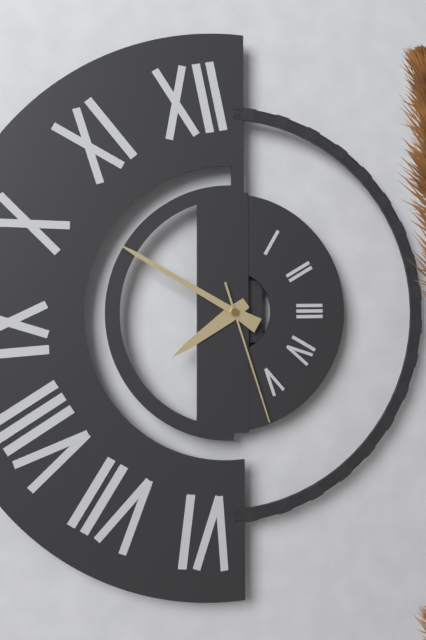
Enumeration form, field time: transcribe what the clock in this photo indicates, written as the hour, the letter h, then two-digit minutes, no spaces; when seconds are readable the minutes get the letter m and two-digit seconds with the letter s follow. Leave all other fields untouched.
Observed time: 7h50m27s
